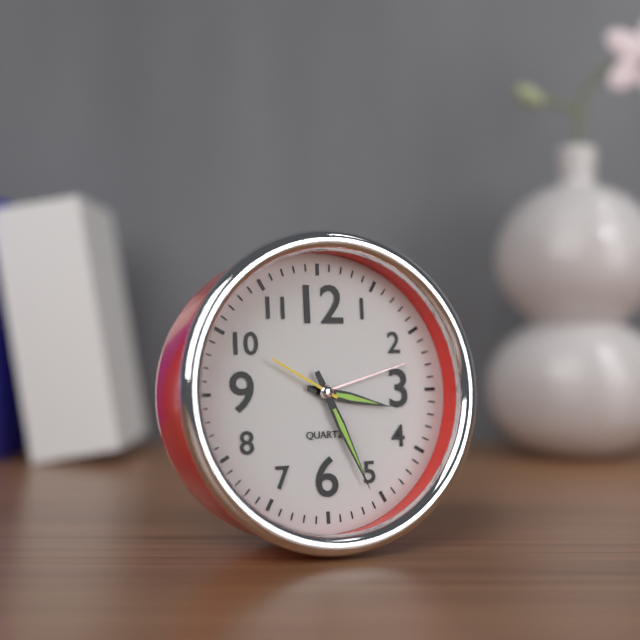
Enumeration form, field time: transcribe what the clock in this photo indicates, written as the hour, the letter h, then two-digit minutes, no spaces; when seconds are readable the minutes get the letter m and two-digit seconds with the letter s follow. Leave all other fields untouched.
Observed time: 3h26m50s
